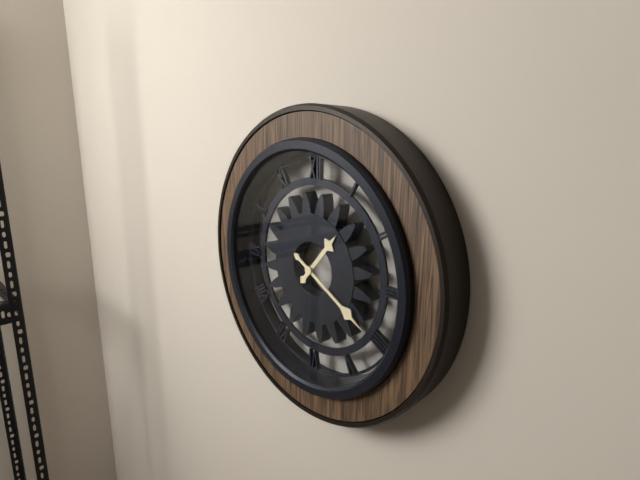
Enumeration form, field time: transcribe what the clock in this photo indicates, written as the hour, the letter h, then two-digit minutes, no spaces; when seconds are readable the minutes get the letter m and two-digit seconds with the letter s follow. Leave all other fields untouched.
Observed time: 1h20
